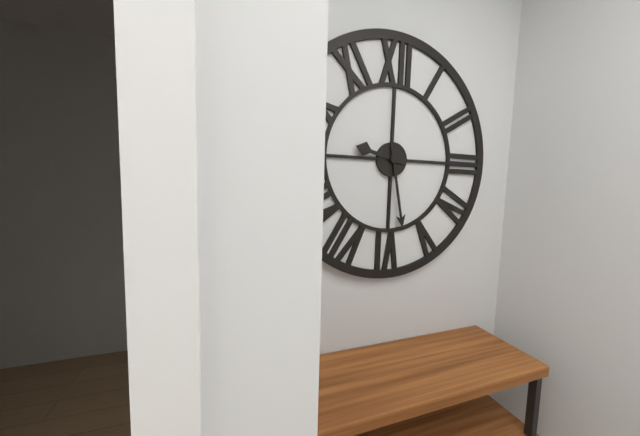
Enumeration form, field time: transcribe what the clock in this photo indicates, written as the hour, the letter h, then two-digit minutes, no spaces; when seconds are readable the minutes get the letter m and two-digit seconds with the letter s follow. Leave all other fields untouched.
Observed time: 9h28
